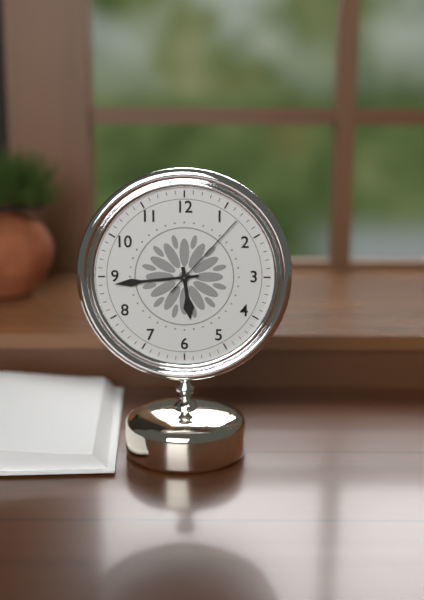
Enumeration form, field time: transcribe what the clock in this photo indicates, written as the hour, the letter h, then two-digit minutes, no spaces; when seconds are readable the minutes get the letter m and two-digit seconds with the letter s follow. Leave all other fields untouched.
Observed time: 5h44m07s
